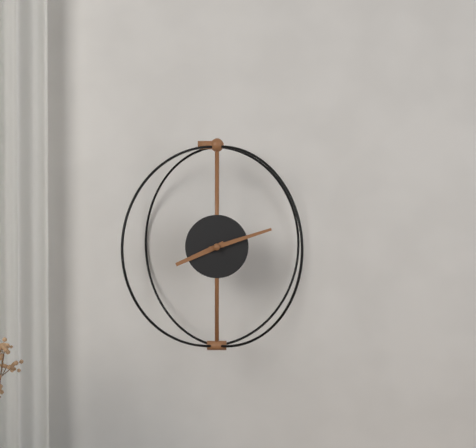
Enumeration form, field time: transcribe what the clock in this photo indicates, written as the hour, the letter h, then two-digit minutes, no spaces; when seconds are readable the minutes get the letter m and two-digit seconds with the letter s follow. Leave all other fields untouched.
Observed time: 8h12
